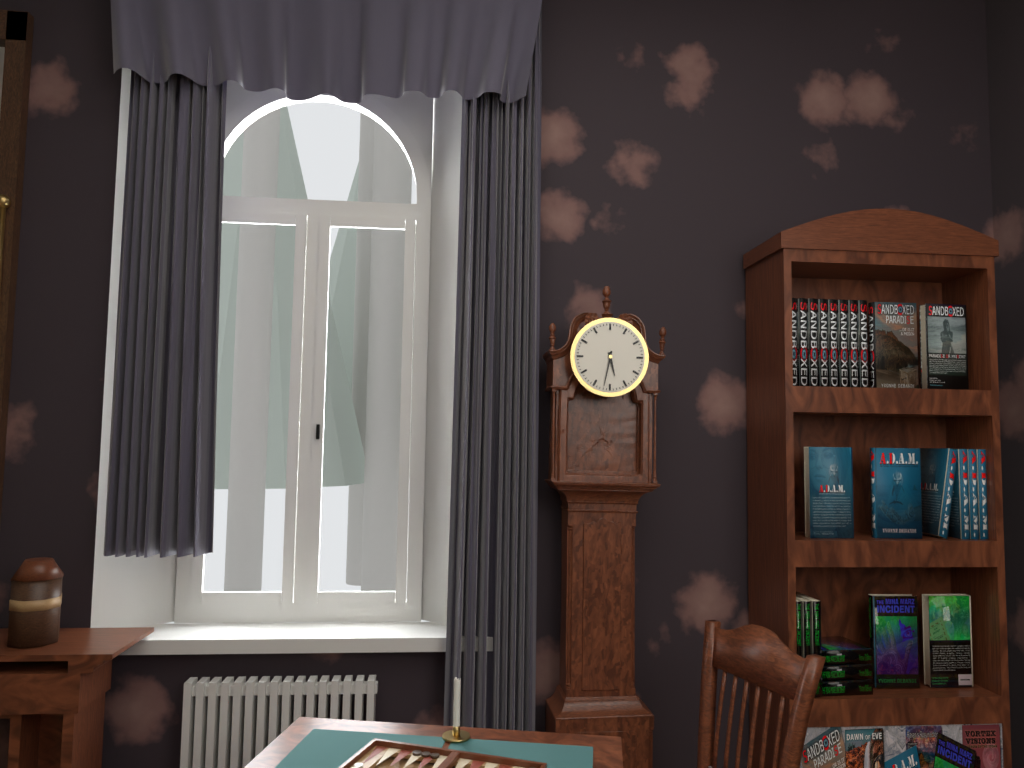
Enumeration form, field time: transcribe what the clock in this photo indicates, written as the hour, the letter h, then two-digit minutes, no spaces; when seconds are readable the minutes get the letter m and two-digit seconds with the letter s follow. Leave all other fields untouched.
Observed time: 5h32
